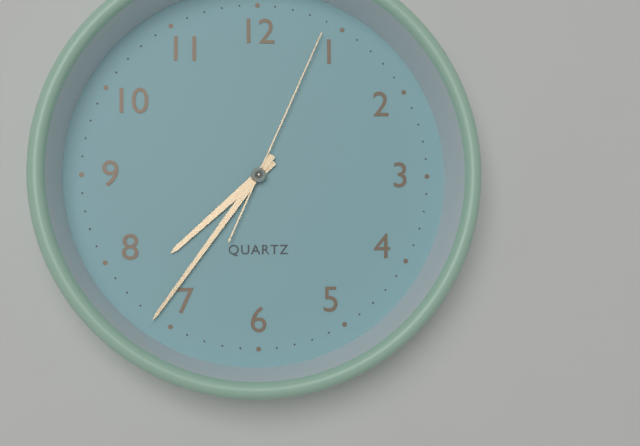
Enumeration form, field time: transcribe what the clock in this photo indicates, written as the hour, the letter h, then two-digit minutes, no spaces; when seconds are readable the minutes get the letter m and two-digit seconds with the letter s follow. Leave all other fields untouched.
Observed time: 7h36m04s
